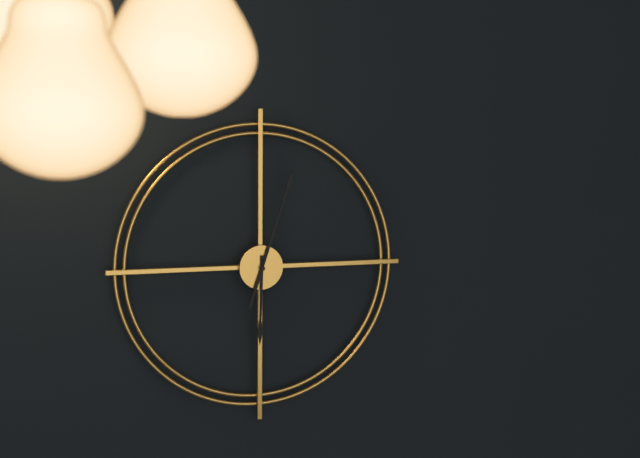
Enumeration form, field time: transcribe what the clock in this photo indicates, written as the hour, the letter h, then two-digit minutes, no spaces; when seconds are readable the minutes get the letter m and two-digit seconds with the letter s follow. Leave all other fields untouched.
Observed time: 6h03
